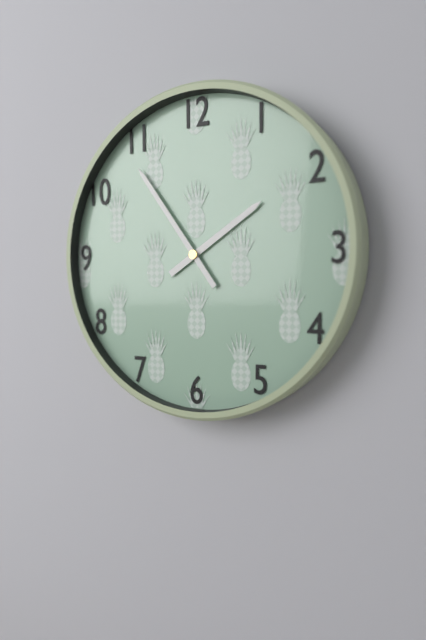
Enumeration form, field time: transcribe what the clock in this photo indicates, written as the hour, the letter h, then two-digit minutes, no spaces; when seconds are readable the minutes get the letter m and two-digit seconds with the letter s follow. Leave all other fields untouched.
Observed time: 1h54
